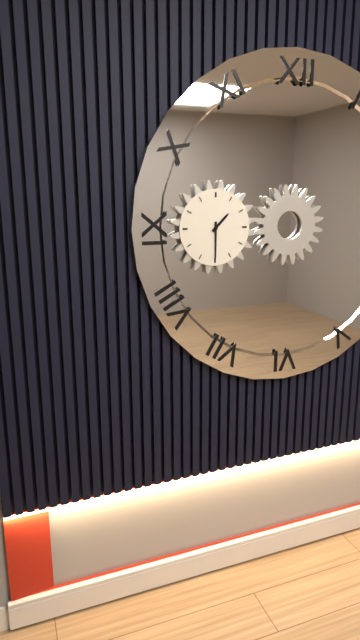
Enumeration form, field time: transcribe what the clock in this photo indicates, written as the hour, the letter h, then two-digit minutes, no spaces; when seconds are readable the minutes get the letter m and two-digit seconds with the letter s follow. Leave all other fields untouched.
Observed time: 1h30
